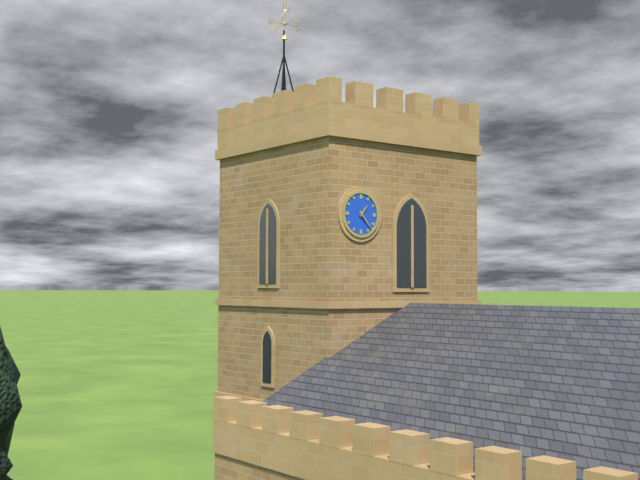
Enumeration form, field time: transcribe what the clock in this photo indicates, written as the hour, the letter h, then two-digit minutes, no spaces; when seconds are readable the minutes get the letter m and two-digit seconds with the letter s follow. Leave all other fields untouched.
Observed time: 1h23
